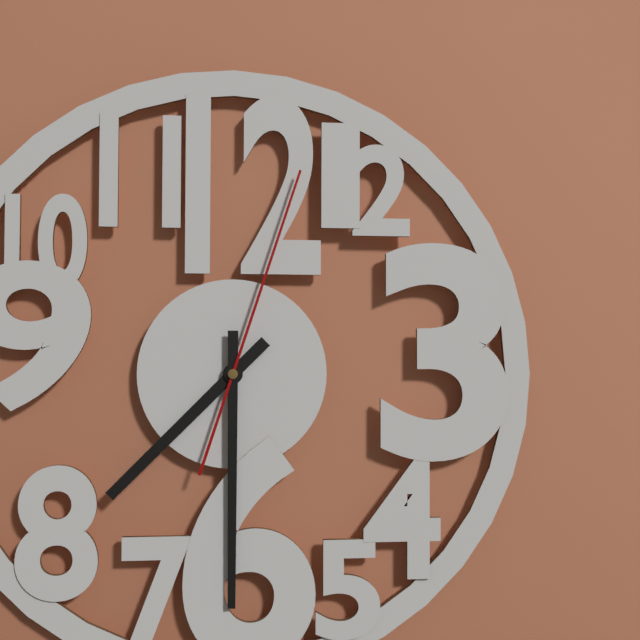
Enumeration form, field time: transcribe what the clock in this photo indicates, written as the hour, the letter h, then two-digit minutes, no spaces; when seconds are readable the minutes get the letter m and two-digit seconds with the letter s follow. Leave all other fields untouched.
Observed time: 7h30m03s
